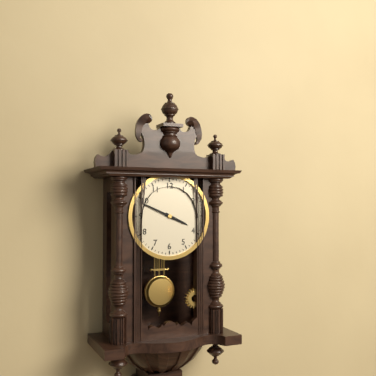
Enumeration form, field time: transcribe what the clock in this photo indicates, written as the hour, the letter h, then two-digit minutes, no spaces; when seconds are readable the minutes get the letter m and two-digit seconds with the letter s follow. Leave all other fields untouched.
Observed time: 3h49
